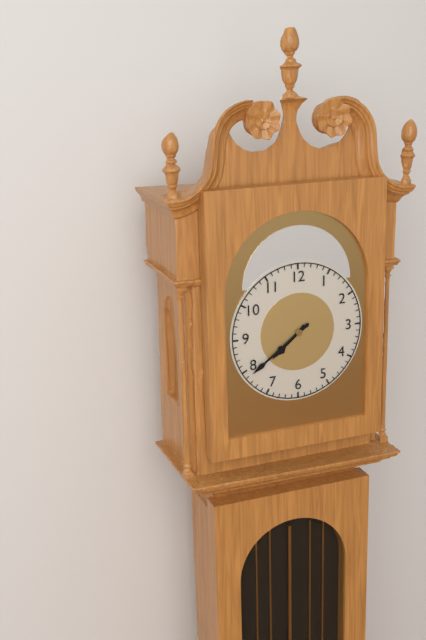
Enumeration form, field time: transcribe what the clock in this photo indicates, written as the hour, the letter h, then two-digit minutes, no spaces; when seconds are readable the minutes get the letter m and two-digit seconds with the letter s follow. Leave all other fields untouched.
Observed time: 7h39
